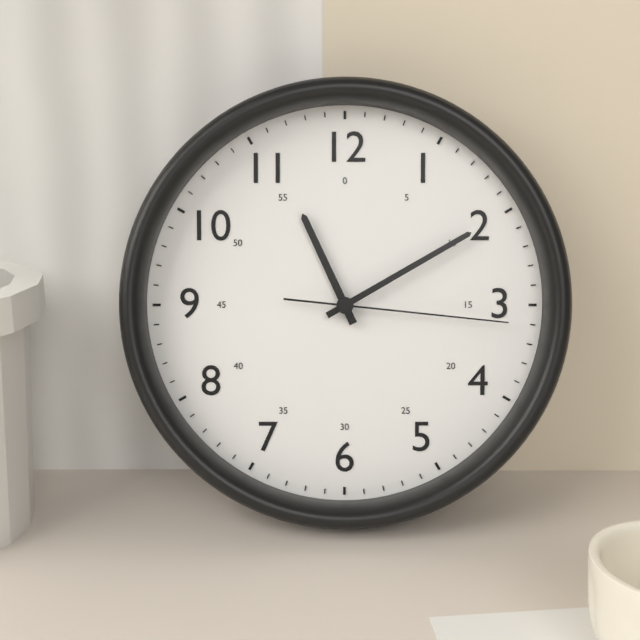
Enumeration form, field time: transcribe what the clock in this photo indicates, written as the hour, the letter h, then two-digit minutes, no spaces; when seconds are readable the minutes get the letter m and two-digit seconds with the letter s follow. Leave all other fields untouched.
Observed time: 11h10m16s
